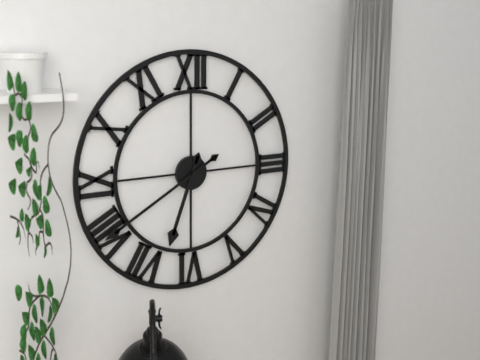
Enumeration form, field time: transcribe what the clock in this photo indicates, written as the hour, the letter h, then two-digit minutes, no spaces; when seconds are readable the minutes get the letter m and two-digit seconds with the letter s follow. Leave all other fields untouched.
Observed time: 6h40
